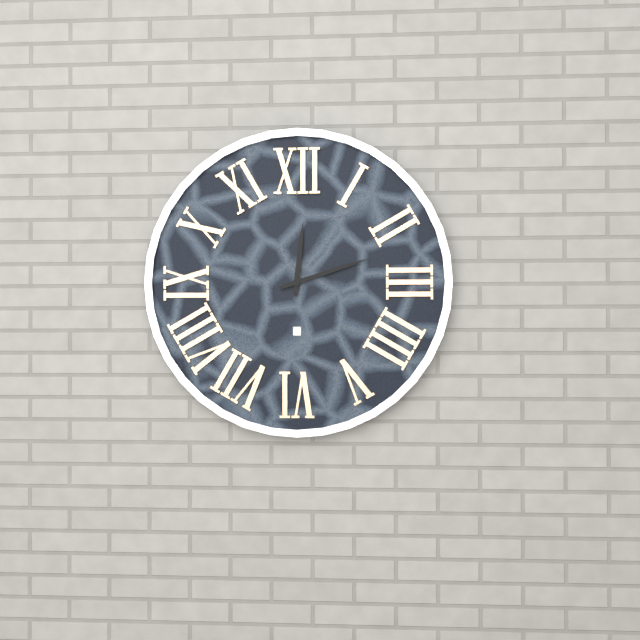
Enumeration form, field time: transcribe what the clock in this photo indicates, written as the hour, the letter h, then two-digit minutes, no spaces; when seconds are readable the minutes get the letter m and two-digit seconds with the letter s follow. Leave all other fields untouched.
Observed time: 12h12
